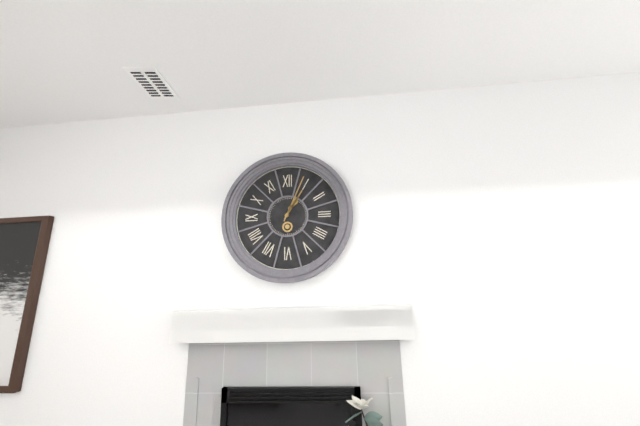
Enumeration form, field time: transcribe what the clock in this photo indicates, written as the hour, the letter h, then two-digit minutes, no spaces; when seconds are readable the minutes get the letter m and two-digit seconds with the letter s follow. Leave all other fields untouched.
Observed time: 1h04
